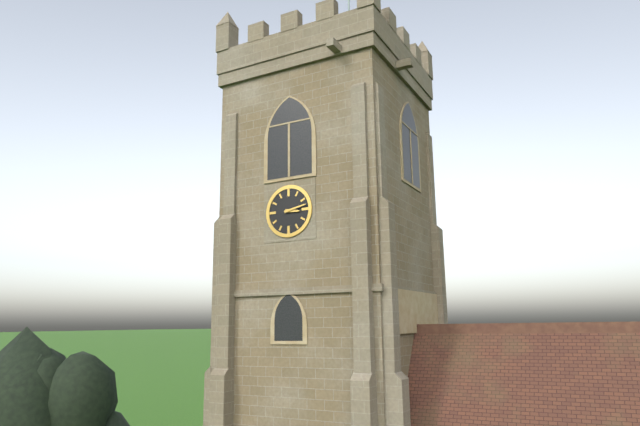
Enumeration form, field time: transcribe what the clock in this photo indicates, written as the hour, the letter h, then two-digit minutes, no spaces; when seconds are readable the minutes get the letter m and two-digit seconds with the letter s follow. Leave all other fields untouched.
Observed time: 3h13
